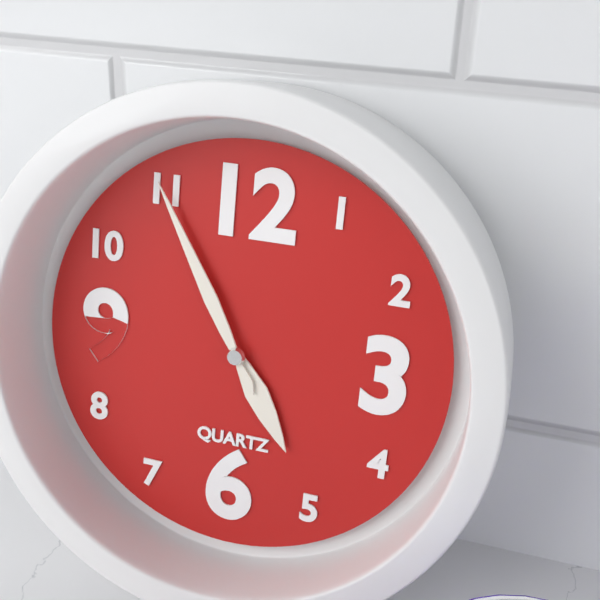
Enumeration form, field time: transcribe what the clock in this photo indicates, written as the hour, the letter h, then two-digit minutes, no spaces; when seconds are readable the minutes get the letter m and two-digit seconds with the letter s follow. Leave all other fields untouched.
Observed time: 4h55
